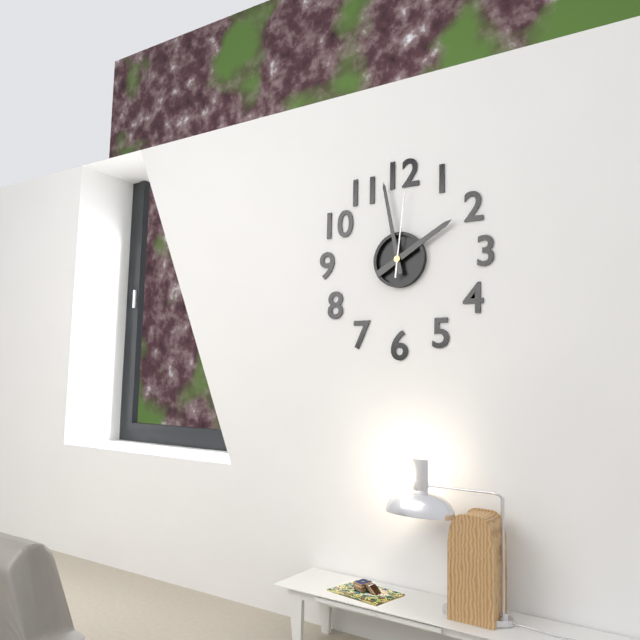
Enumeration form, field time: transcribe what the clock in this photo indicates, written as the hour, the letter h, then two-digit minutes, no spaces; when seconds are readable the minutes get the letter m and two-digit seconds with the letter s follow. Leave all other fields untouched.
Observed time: 1h58m01s
